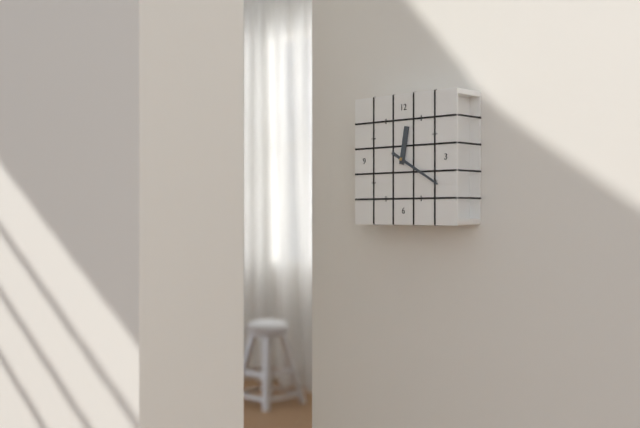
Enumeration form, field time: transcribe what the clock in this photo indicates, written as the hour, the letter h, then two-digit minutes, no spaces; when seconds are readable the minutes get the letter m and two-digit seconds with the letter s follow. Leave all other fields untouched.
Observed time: 12h20
